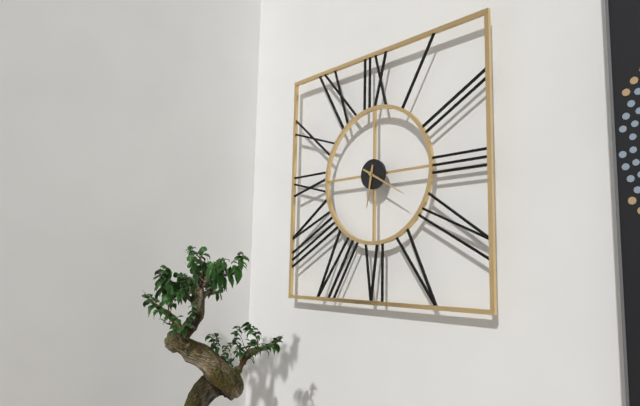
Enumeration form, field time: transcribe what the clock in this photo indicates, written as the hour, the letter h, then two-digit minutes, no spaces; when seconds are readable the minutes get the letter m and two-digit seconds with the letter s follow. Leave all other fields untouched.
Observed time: 6h20
